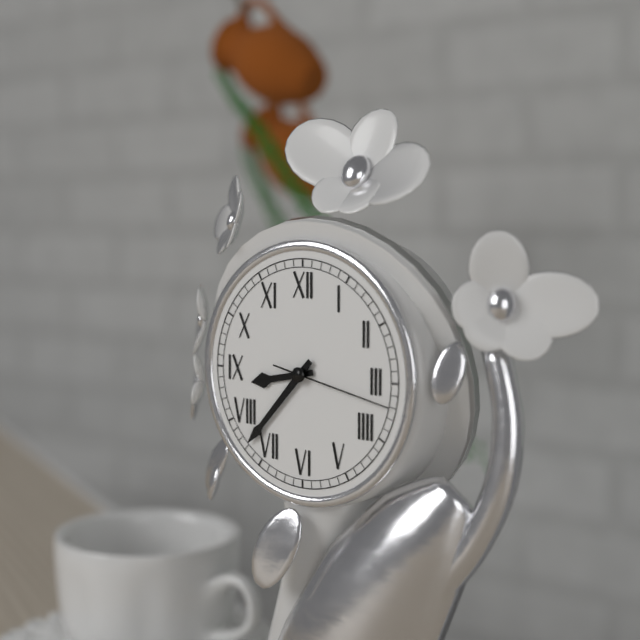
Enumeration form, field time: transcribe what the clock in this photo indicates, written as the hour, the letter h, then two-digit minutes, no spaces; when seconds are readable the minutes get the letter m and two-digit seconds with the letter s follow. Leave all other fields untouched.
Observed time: 8h37m17s
